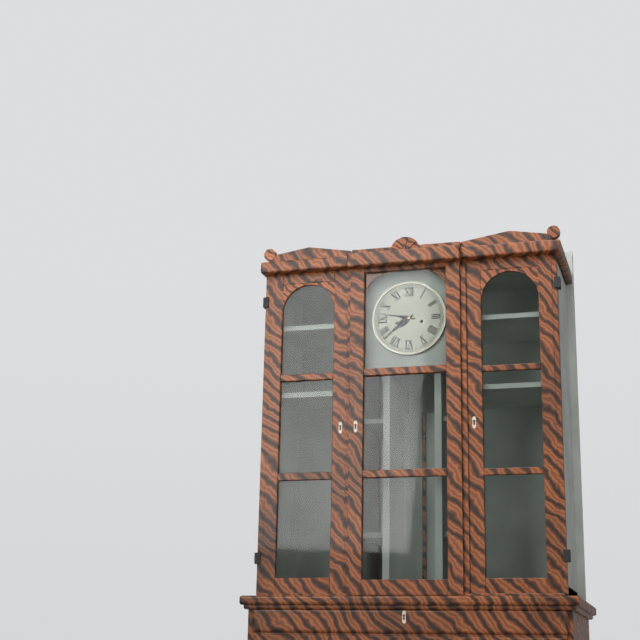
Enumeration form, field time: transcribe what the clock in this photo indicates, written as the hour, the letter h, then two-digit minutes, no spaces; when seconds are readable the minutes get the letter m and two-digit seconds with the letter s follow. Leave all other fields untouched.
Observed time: 7h47
